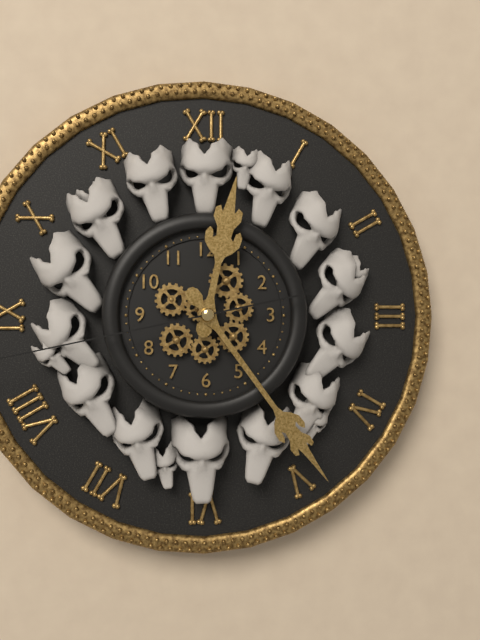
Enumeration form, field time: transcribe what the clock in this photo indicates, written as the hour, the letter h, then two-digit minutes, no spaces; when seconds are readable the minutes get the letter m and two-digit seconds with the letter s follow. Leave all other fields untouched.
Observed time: 12h24
